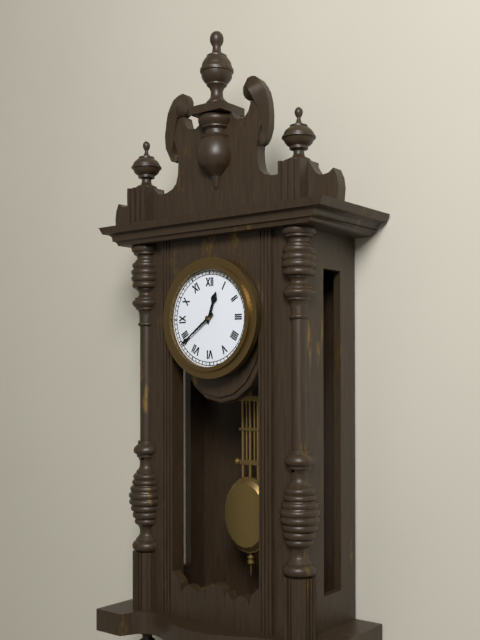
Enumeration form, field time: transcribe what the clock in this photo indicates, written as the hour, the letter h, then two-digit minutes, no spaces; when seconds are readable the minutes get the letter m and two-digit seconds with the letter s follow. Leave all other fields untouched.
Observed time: 12h39
